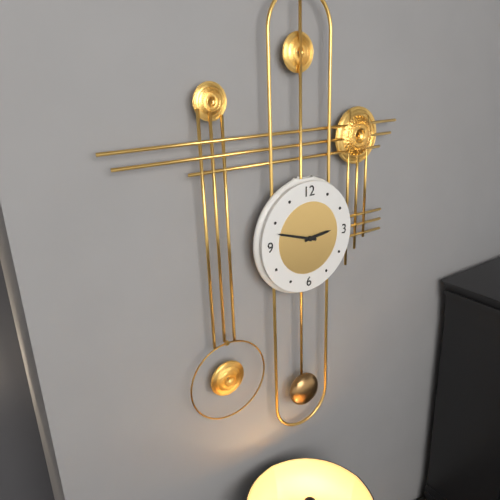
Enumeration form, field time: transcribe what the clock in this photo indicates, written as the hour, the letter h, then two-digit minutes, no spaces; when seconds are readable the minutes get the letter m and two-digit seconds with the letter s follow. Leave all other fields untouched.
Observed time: 2h48
